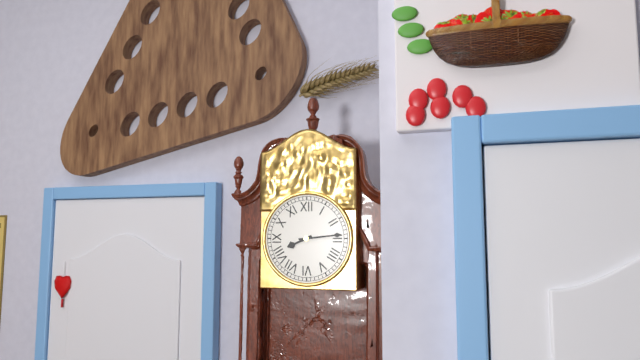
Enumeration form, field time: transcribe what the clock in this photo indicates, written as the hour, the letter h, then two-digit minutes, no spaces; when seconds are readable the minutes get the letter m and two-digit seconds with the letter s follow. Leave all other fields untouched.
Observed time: 8h14
